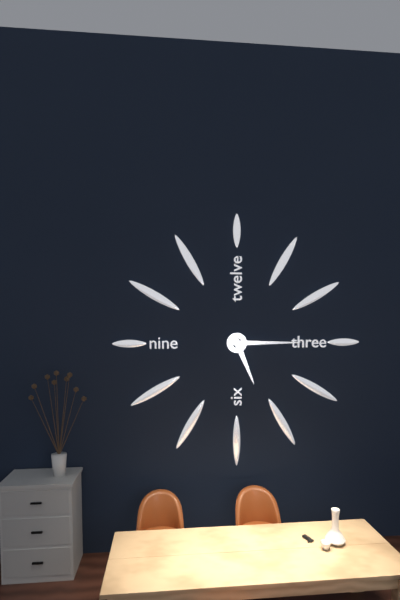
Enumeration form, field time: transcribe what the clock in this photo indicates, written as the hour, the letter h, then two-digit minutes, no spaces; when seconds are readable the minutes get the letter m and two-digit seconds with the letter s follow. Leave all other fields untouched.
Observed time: 5h15
